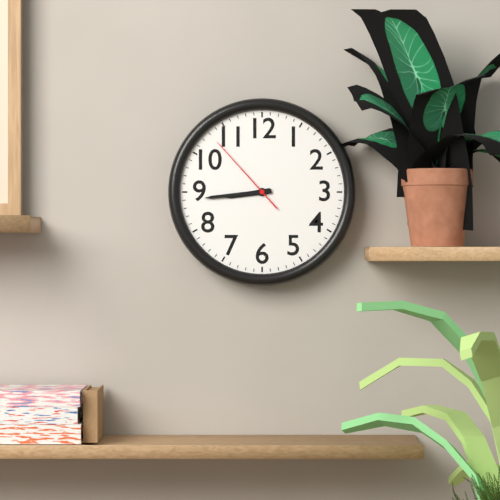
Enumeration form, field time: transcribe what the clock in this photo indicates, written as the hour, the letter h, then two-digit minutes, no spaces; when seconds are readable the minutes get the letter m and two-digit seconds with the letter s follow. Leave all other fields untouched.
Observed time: 8h44m53s
